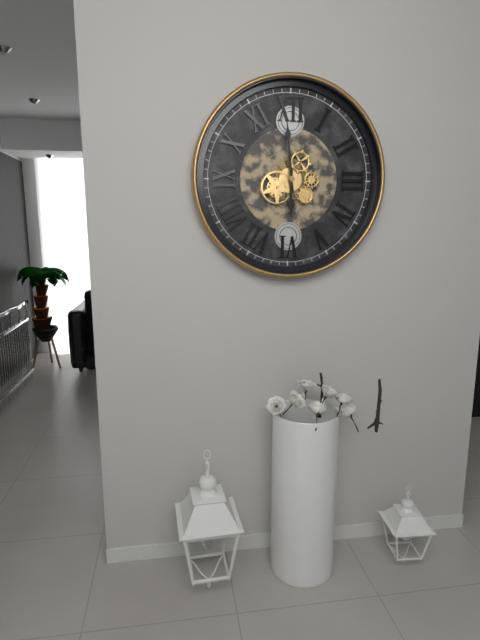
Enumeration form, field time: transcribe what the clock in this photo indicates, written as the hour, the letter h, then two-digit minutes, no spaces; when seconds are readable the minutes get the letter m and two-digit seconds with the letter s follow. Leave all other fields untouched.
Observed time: 5h59
